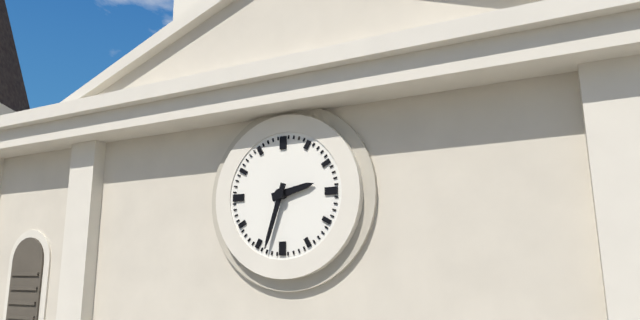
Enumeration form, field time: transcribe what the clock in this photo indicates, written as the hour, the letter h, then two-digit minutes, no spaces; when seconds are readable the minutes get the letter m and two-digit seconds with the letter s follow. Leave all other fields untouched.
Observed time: 2h33
